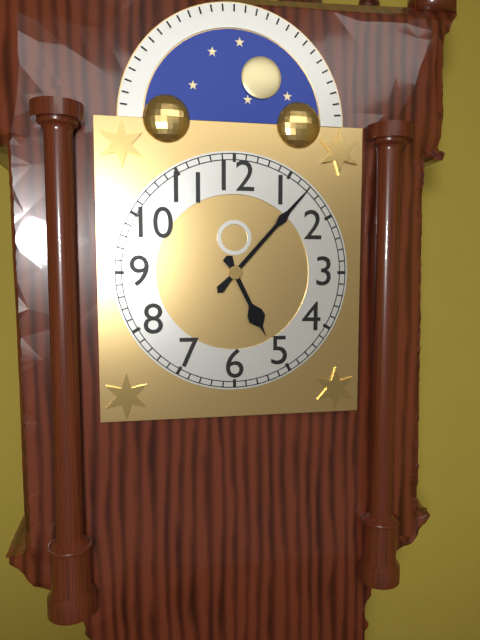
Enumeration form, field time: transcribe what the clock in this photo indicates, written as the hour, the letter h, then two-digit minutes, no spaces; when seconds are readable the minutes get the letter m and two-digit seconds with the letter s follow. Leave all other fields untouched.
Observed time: 5h07
